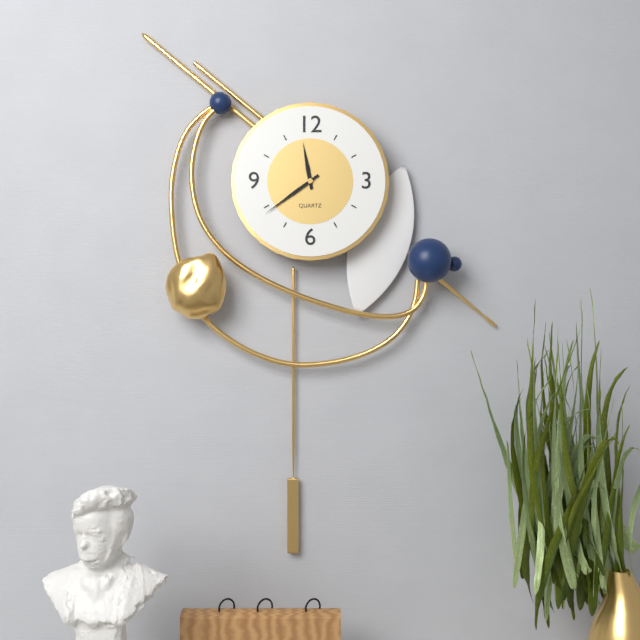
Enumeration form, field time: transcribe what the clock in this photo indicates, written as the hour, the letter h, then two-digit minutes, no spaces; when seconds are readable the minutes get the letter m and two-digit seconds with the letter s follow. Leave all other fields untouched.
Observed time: 11h39
